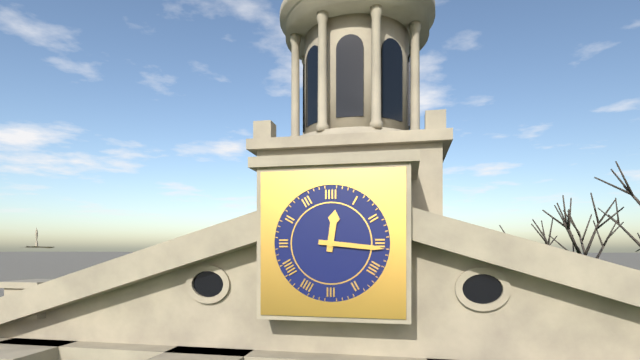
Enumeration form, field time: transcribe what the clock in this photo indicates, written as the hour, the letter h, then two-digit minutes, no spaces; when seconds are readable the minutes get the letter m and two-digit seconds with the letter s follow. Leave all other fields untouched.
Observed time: 12h16
